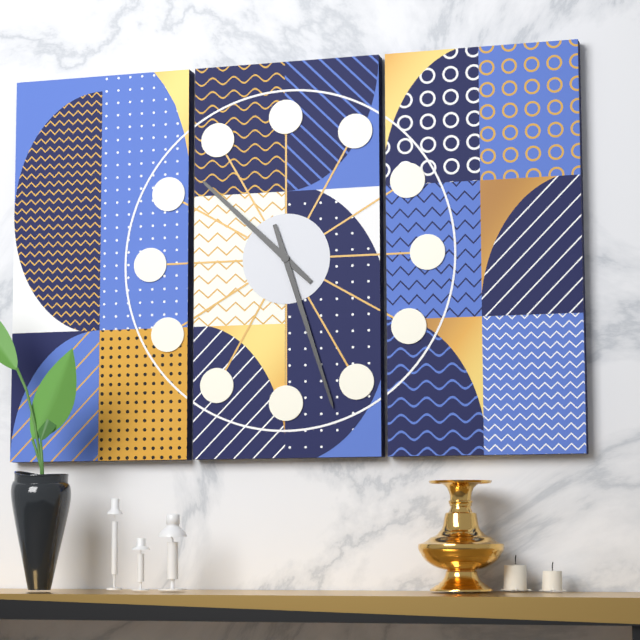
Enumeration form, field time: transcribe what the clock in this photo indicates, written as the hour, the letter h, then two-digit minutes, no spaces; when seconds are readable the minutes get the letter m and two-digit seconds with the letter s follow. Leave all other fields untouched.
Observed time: 10h27
